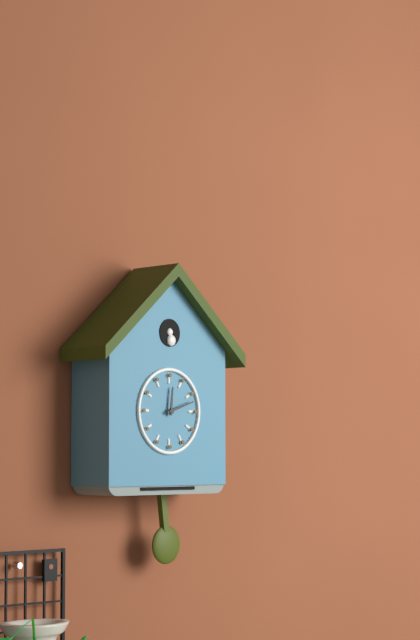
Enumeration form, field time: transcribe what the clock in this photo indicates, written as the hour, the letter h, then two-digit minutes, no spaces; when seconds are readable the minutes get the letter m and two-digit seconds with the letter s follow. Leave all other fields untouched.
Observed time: 12h12
